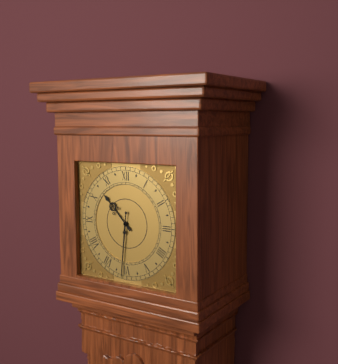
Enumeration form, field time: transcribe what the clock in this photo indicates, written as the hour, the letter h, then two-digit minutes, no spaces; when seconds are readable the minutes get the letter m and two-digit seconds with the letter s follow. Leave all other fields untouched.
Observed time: 10h31
